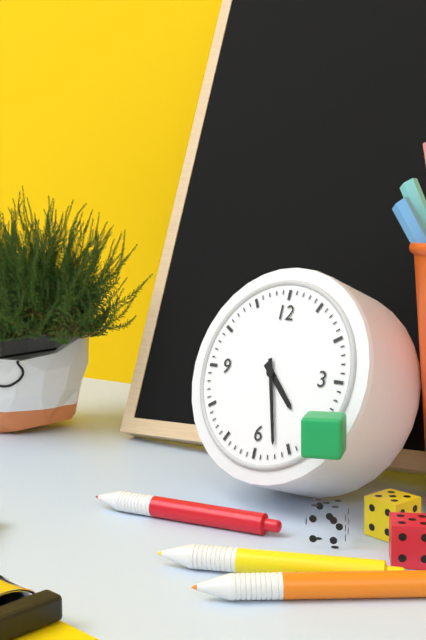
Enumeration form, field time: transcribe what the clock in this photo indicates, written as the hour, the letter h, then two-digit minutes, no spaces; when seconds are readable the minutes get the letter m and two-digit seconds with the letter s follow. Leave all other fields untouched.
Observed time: 4h27
